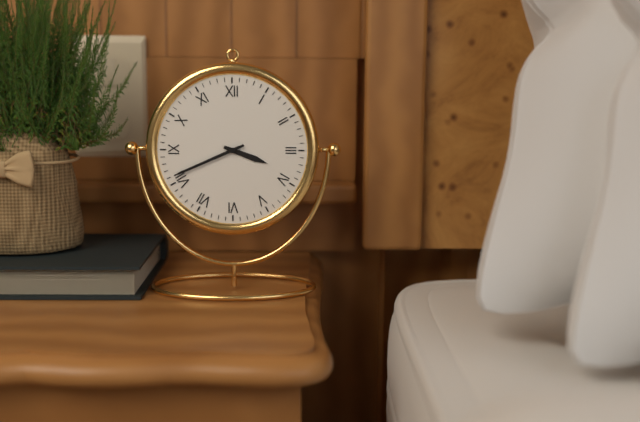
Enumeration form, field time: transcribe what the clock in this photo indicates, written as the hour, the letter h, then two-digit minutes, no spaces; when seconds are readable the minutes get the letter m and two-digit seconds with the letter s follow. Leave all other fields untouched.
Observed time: 3h41
